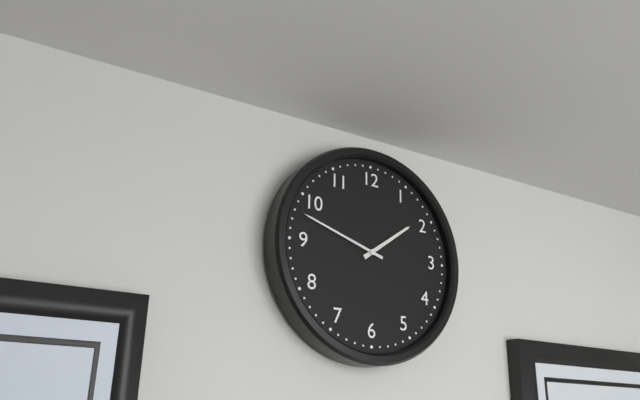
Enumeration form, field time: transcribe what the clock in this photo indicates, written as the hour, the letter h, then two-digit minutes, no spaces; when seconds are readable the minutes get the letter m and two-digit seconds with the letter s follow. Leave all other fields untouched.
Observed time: 1h48
